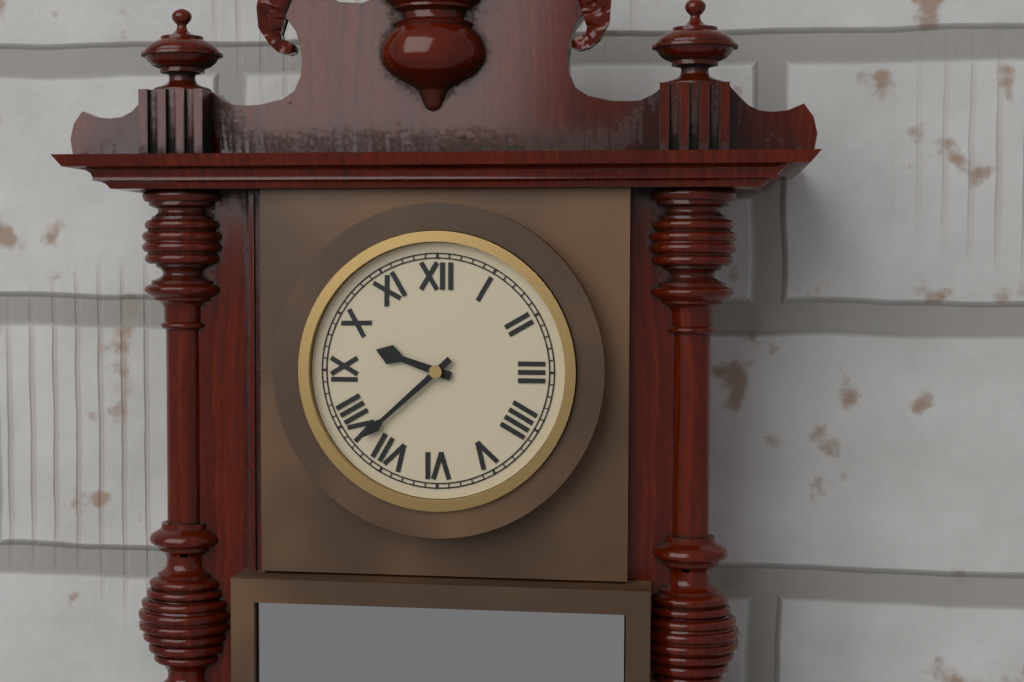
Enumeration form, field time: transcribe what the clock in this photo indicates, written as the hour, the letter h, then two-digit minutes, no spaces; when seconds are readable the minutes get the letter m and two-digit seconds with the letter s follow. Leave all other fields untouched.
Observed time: 9h38
